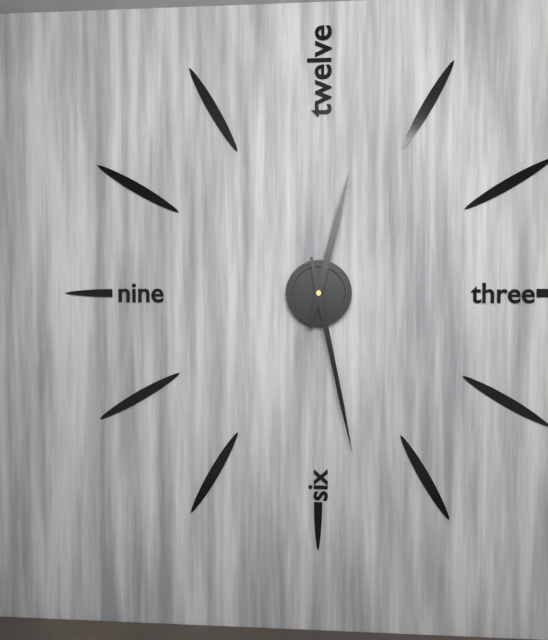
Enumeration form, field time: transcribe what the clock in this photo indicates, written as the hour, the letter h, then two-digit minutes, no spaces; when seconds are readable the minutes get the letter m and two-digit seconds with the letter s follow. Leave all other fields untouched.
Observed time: 12h28
